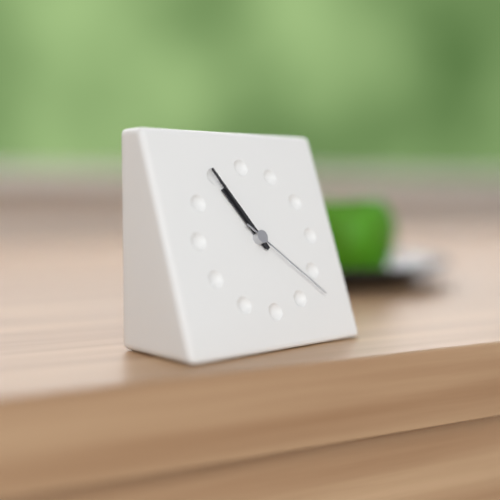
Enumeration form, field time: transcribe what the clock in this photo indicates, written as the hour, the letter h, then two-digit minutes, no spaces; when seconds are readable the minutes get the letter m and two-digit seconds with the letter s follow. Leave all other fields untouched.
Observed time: 10h55m22s
